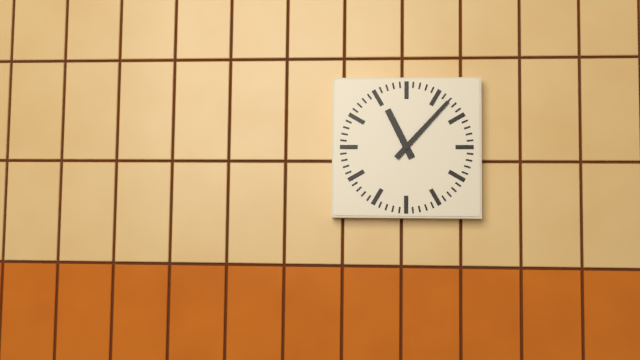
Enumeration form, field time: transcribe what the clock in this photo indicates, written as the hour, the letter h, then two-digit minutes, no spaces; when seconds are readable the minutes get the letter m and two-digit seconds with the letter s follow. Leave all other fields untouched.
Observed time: 11h07
